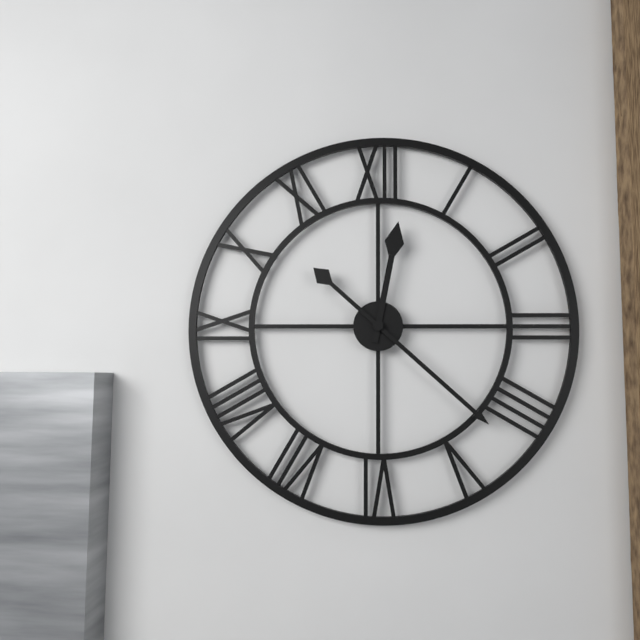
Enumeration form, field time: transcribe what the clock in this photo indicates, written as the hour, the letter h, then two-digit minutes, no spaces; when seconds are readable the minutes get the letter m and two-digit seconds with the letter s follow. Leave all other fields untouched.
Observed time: 12h22
